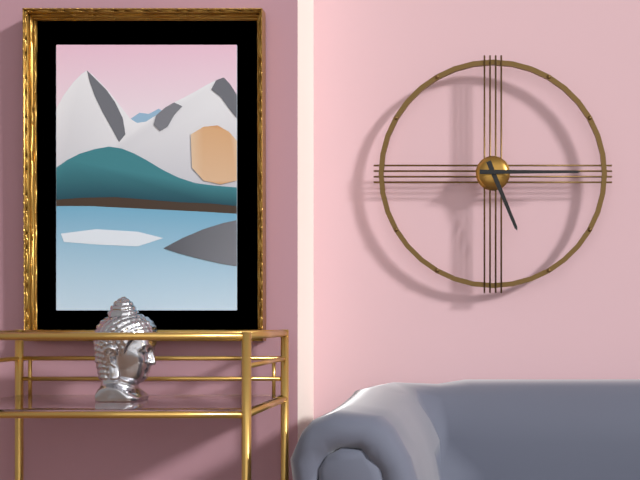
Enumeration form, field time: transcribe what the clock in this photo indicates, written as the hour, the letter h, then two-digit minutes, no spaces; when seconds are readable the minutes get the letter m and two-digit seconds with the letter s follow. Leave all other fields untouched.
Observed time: 5h15
